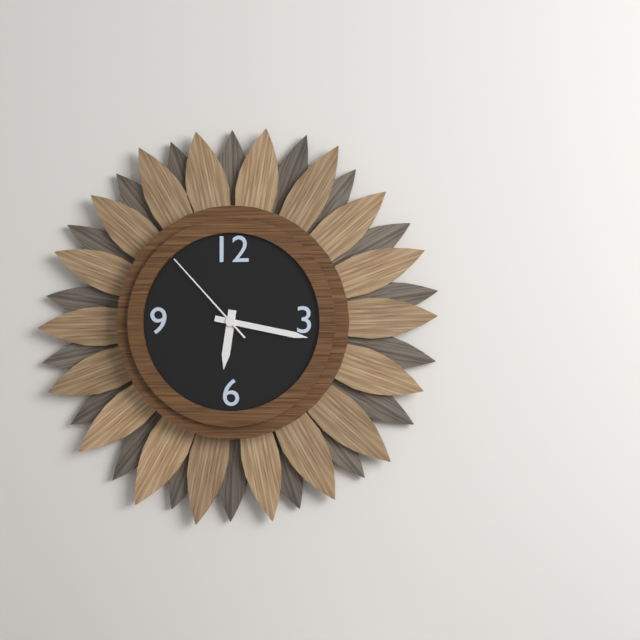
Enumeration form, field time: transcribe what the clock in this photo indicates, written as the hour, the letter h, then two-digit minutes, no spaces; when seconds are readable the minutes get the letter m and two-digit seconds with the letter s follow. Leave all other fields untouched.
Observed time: 6h17m53s
